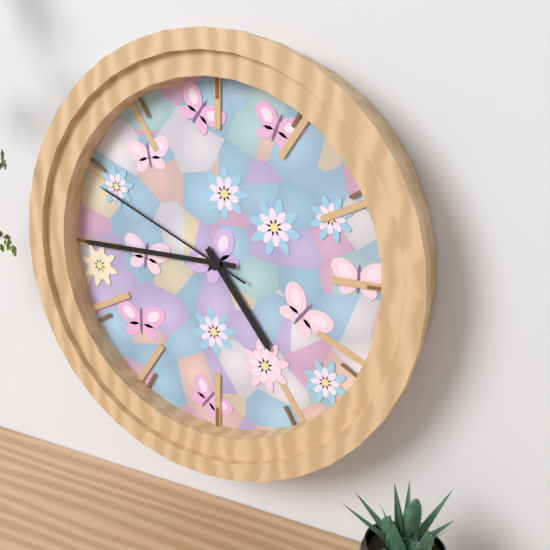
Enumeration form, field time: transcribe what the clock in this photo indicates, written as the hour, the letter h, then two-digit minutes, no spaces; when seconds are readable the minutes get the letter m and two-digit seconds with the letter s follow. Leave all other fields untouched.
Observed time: 4h45m49s
